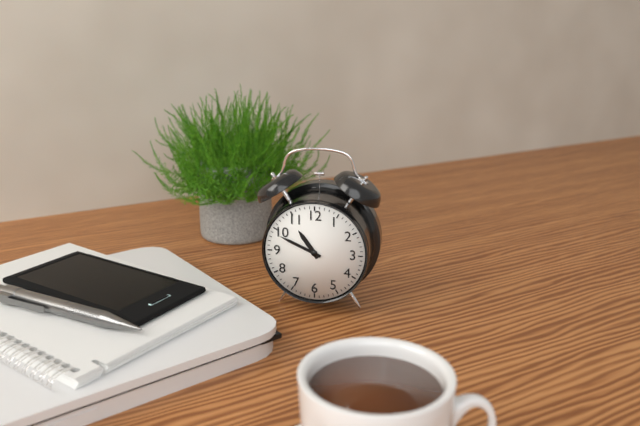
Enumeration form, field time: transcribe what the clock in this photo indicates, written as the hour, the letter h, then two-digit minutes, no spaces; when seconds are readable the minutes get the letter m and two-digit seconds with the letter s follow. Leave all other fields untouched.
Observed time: 10h49
